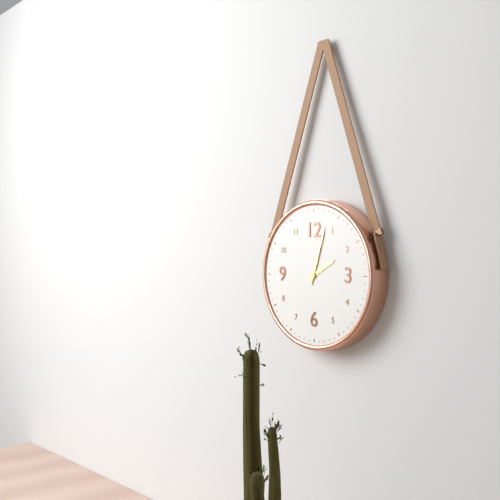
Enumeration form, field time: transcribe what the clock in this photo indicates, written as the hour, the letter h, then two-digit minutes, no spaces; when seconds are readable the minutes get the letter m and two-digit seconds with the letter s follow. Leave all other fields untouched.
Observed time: 2h03
